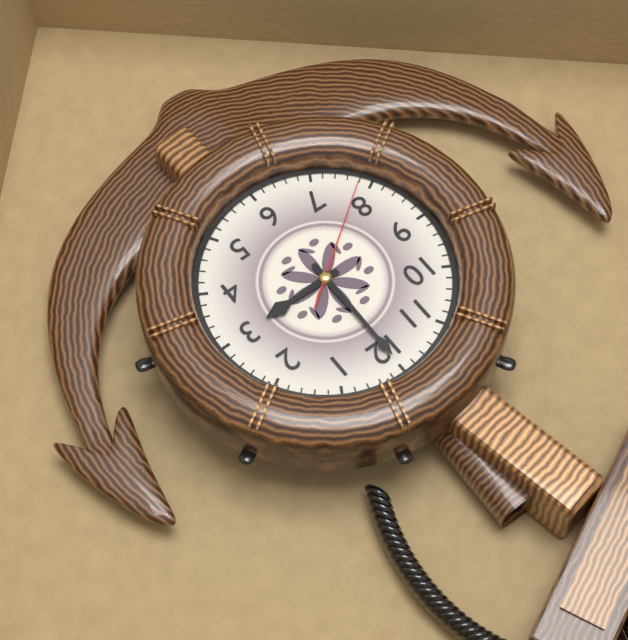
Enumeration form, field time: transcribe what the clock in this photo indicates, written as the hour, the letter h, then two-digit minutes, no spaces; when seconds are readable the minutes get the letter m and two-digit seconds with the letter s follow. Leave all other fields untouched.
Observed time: 3h00m39s
